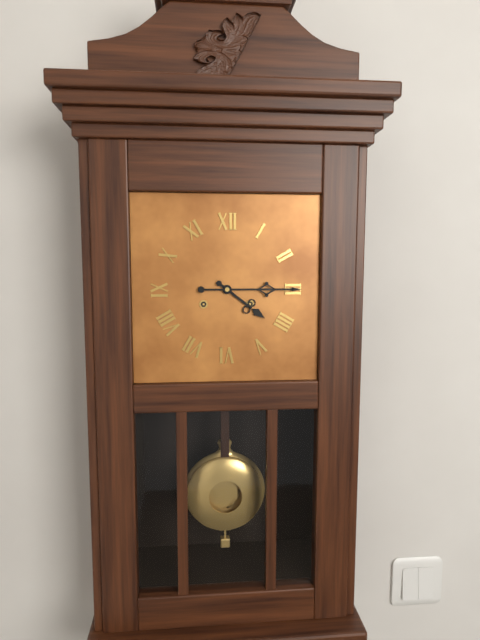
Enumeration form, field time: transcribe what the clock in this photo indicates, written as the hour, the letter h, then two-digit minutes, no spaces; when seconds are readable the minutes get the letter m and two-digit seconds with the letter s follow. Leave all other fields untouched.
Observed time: 4h15
